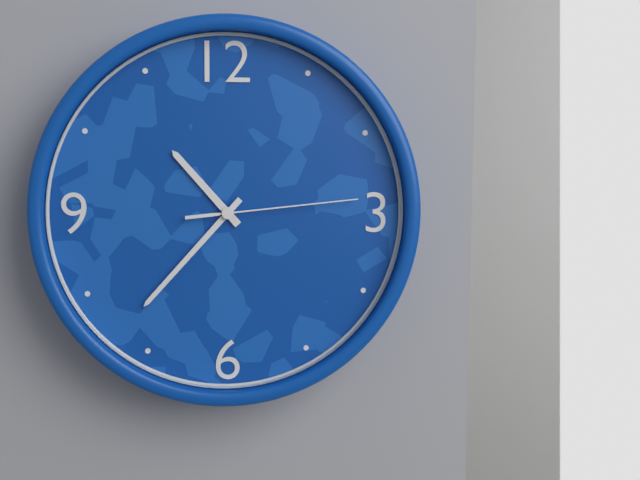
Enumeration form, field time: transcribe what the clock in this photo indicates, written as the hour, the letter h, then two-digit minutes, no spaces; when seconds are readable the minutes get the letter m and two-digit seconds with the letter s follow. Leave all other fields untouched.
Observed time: 10h37m14s
